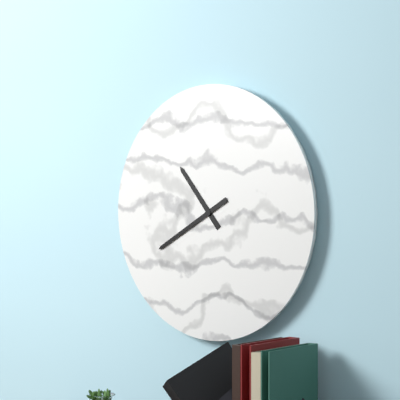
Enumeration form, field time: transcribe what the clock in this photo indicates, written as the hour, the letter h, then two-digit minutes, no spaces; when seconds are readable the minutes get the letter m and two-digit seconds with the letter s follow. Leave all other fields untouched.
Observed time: 10h40
